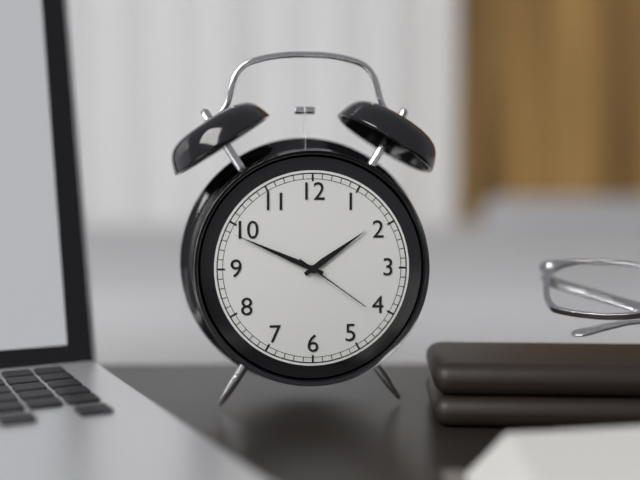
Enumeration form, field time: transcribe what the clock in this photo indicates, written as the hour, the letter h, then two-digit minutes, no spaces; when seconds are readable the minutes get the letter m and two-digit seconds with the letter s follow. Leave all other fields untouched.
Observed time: 1h49m21s
